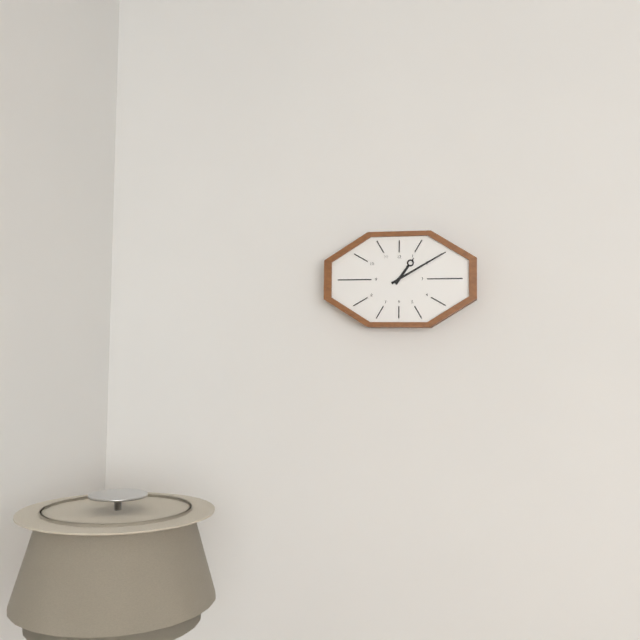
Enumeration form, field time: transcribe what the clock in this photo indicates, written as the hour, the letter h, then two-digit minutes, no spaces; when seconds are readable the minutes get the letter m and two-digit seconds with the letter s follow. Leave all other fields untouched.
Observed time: 1h10
